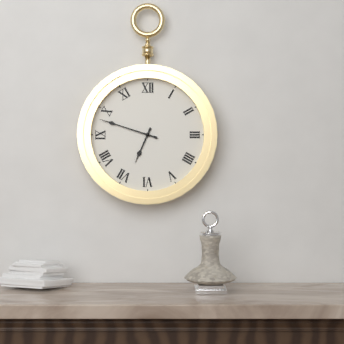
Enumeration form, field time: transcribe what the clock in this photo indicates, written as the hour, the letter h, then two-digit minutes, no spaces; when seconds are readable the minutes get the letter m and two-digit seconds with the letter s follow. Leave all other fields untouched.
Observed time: 6h48
